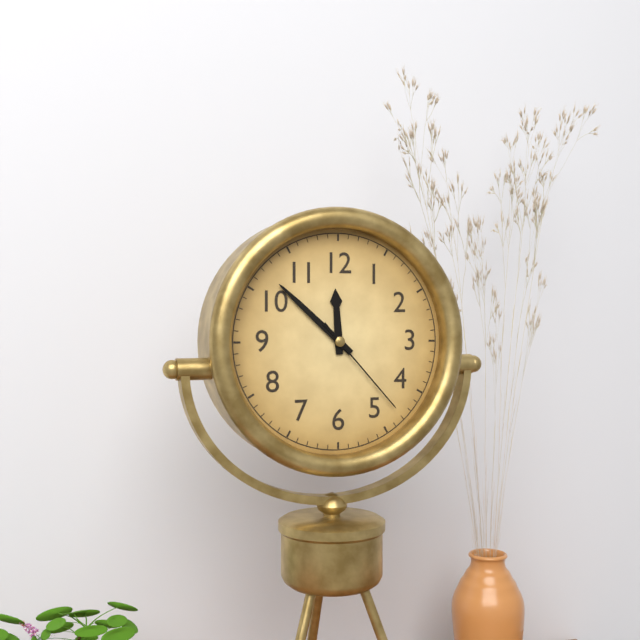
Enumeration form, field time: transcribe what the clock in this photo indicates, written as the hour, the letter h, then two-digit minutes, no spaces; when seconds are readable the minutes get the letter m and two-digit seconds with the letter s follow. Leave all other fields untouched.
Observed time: 11h52m23s
